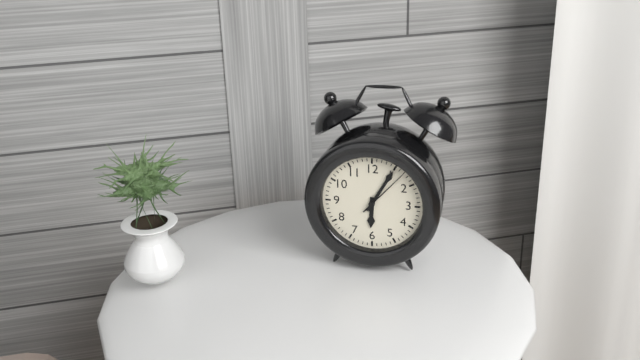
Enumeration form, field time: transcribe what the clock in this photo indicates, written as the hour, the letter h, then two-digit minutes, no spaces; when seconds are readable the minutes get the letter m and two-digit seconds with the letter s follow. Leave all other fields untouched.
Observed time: 6h05m07s
